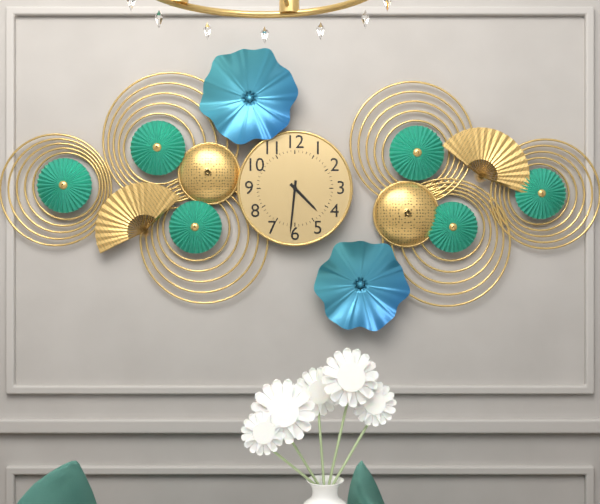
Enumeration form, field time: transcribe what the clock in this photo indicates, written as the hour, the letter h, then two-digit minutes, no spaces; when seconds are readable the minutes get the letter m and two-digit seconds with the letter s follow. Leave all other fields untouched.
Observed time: 4h31
